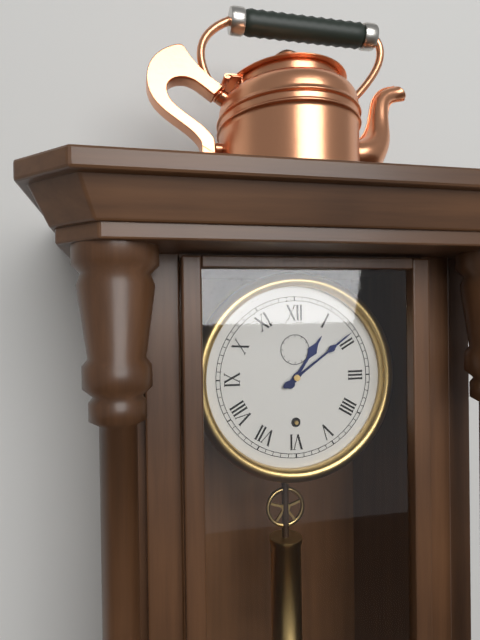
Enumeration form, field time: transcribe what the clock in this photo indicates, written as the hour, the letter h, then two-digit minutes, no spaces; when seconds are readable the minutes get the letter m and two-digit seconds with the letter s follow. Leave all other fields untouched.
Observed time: 1h09
